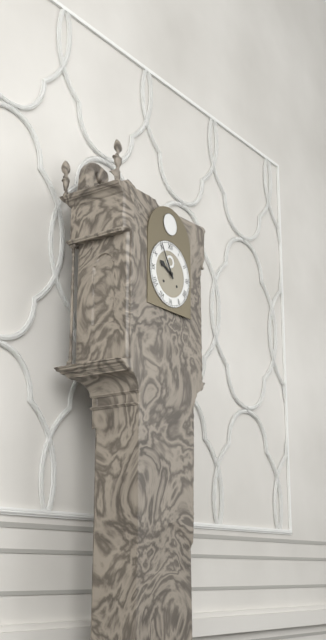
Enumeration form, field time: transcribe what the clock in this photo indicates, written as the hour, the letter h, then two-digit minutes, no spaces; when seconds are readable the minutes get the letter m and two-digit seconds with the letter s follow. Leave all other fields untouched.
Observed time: 9h55
